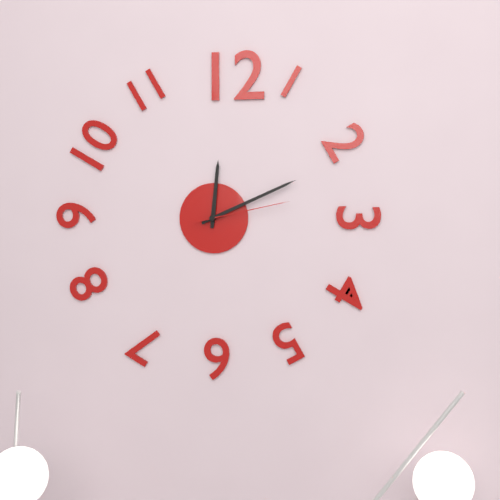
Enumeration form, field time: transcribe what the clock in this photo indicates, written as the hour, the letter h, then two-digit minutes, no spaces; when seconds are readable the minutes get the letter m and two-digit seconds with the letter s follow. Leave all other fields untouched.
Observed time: 12h11m13s
